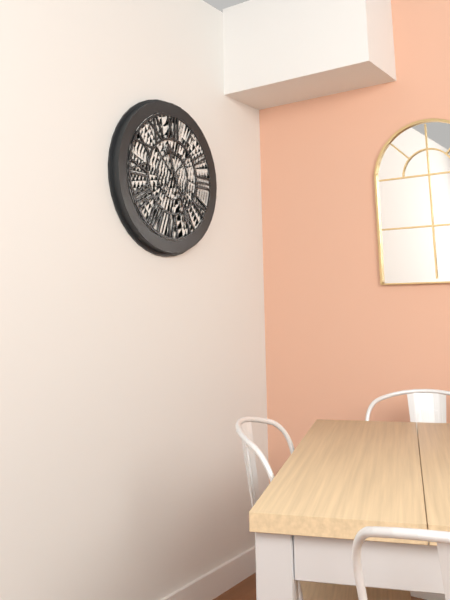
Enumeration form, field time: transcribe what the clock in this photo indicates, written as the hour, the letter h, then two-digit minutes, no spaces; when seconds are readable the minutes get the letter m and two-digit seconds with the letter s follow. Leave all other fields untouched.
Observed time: 11h26
